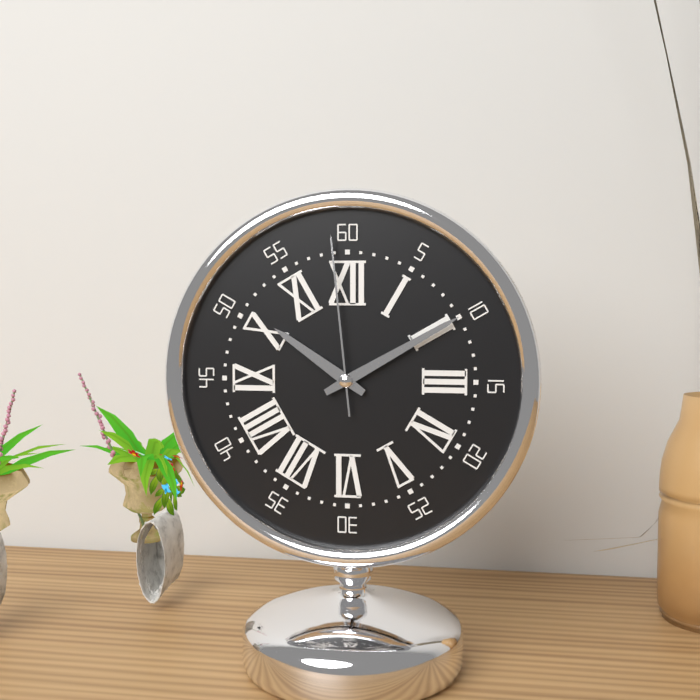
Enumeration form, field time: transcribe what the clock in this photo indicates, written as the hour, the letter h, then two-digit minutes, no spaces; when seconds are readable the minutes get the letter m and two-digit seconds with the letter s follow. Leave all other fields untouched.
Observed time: 10h10m59s
